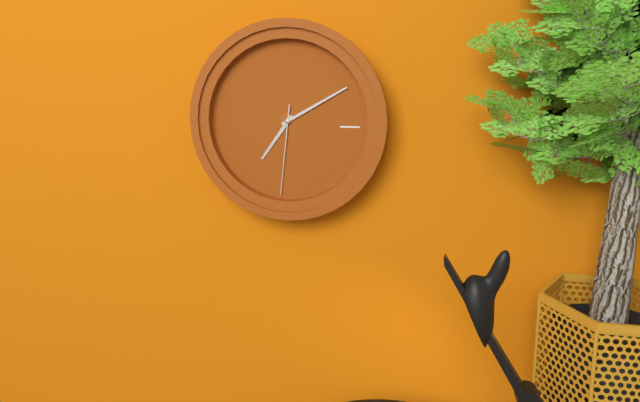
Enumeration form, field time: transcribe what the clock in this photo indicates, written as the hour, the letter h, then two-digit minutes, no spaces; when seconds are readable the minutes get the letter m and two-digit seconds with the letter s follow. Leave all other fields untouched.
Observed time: 7h10m31s
